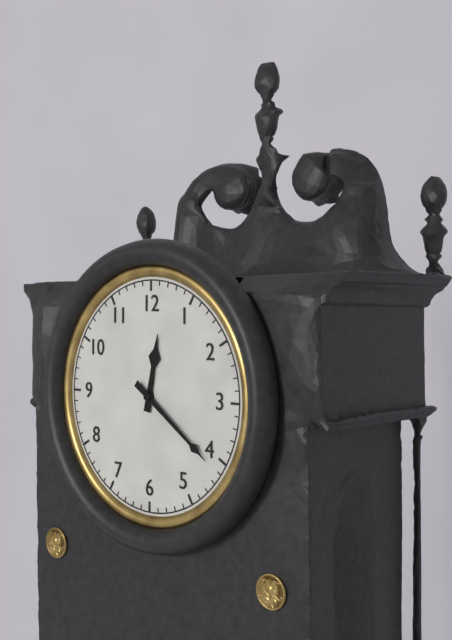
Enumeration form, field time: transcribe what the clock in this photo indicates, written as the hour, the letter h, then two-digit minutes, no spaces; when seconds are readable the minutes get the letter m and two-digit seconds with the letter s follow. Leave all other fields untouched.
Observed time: 12h21
